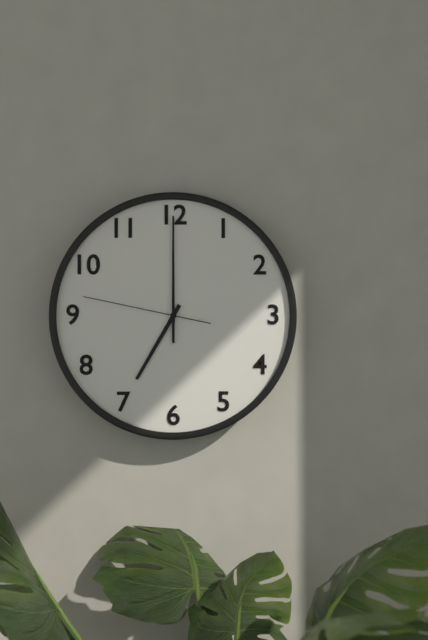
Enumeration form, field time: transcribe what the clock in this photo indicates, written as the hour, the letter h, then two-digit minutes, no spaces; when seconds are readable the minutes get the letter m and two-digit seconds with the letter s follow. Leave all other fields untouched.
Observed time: 7h00m47s
